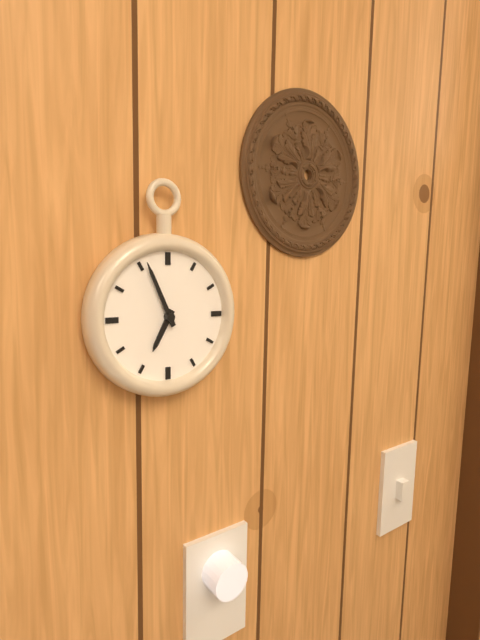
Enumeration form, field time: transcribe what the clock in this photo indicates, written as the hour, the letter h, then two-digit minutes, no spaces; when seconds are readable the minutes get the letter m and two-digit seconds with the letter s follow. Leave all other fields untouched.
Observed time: 6h56
